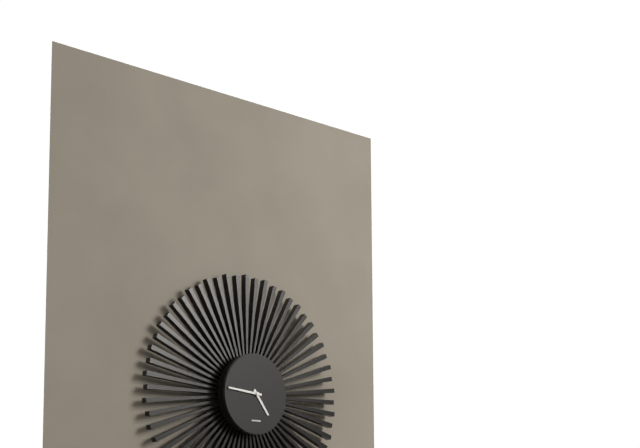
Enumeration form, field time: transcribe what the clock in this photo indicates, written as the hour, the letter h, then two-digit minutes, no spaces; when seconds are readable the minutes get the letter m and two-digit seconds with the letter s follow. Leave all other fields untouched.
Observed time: 4h46
